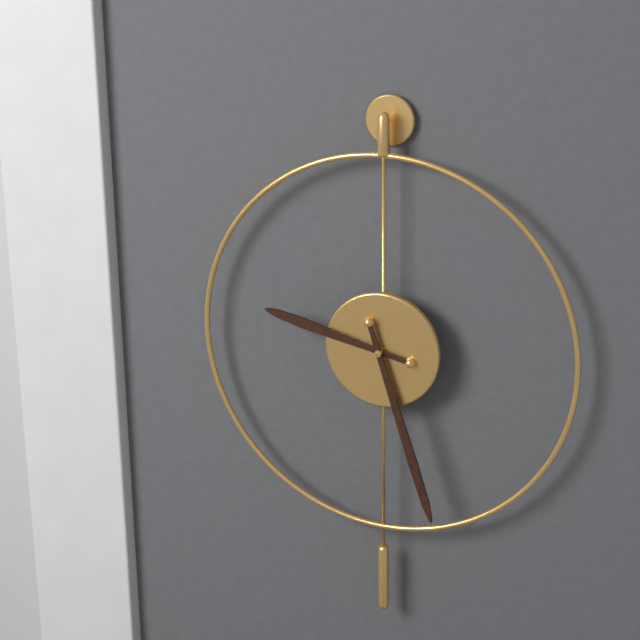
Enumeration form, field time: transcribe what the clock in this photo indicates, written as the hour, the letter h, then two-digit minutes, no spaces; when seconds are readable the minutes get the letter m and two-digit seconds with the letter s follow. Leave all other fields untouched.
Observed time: 9h27
